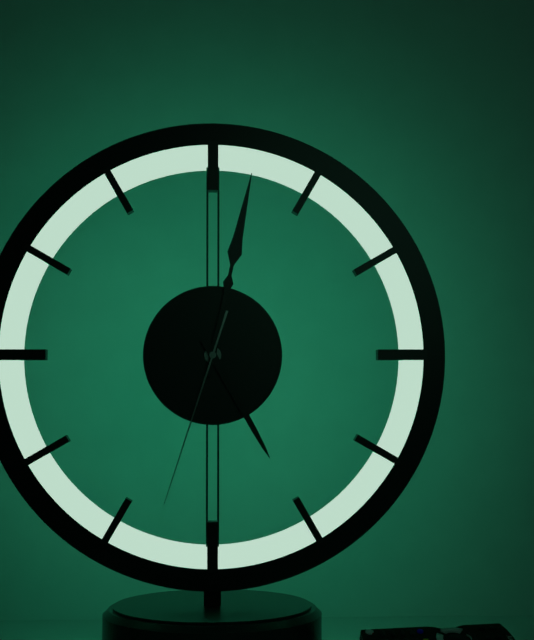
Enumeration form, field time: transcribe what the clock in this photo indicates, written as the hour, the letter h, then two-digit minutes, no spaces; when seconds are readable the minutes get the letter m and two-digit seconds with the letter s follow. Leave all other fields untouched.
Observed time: 5h02m33s
